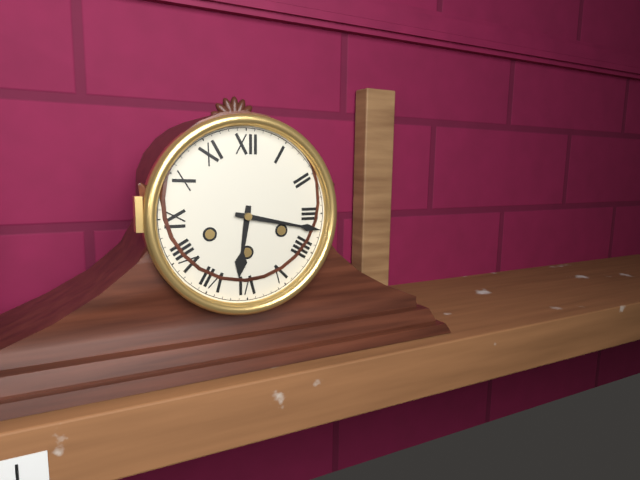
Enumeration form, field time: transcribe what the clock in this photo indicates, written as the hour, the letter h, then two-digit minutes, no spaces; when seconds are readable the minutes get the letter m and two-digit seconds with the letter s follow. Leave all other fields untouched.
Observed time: 6h17
